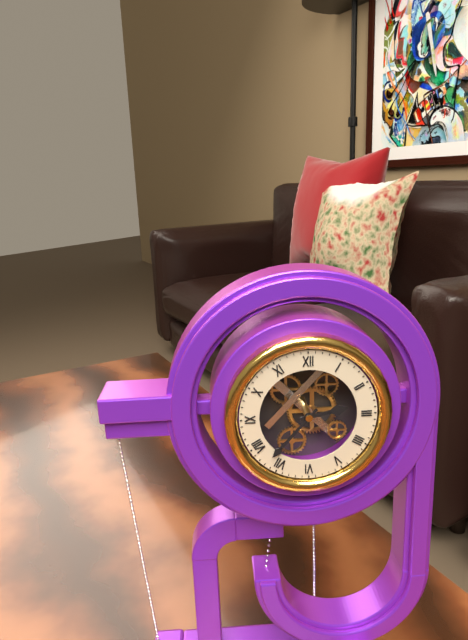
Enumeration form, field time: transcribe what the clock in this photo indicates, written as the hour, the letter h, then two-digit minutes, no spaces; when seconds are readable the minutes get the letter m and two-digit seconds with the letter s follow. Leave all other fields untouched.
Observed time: 2h37
